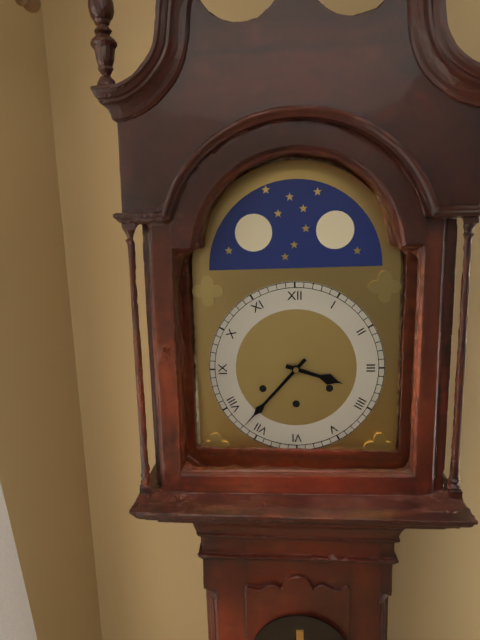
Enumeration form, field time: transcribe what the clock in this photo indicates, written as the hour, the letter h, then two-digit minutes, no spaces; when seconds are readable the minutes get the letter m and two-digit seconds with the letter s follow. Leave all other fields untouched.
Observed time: 3h37
